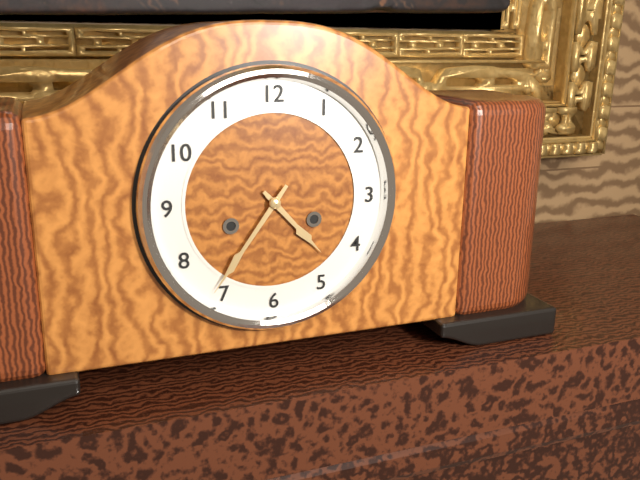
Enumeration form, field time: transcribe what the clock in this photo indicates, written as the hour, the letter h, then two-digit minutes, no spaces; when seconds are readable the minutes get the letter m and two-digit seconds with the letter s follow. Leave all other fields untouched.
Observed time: 4h36
